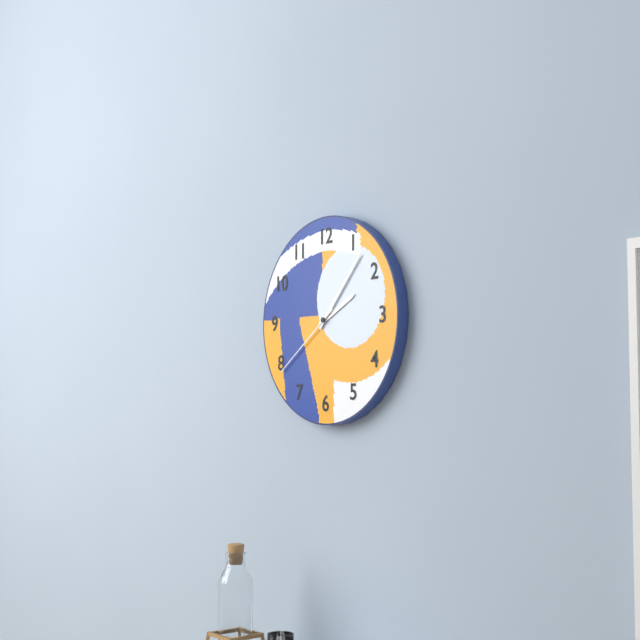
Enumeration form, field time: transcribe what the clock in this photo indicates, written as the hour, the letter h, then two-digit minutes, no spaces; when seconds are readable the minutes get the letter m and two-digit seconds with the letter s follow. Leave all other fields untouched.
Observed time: 2h07m39s
